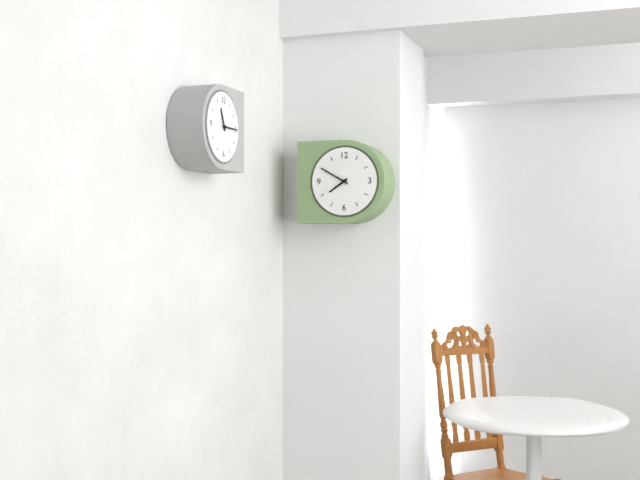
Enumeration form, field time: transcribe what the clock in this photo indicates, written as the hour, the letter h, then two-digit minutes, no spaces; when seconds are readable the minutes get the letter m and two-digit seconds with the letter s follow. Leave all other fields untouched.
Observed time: 7h50
